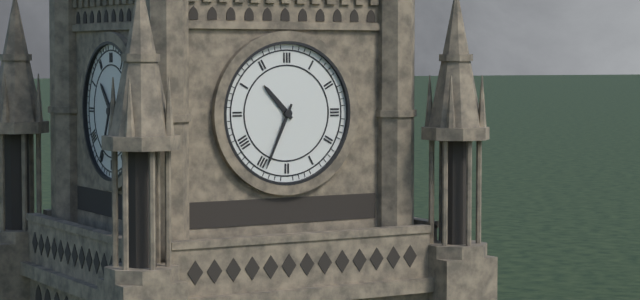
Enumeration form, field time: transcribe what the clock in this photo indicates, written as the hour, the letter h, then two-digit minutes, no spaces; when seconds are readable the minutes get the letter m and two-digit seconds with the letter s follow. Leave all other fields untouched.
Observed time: 10h34
